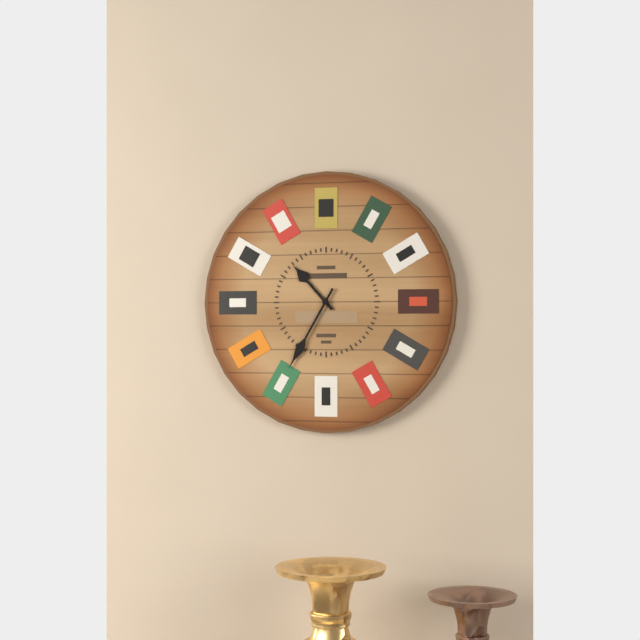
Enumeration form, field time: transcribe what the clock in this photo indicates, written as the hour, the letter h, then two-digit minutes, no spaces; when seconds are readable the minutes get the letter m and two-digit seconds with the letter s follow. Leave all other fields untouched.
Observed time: 10h35
